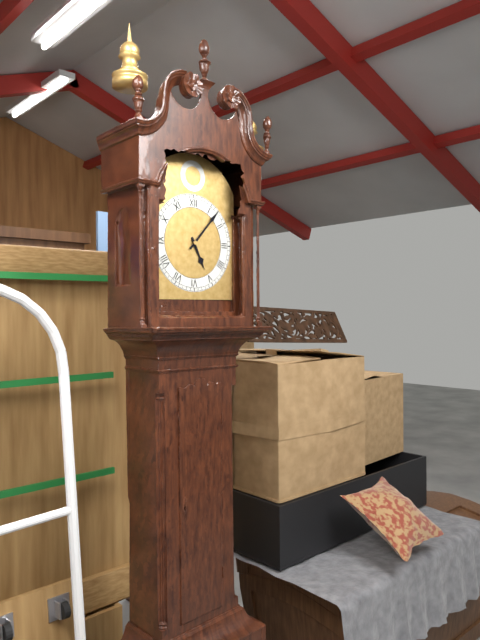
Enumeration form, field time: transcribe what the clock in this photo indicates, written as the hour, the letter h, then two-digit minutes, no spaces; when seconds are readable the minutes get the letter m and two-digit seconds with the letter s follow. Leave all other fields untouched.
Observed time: 5h07
